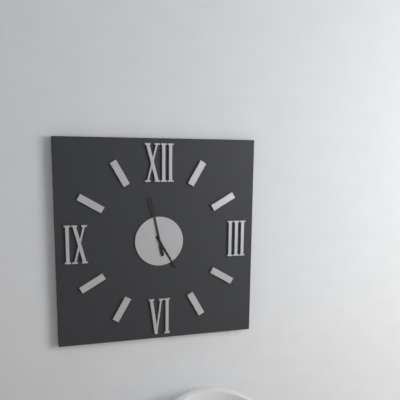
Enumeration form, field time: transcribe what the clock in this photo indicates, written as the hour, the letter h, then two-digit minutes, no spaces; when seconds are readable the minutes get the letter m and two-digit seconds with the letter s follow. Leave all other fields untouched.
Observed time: 4h58
